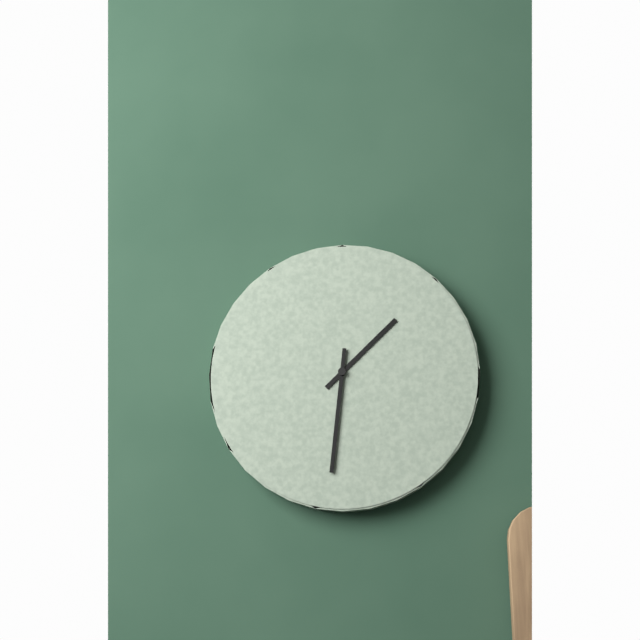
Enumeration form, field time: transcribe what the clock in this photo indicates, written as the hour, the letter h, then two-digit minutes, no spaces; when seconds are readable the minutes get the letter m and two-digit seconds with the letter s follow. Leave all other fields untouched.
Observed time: 1h31
